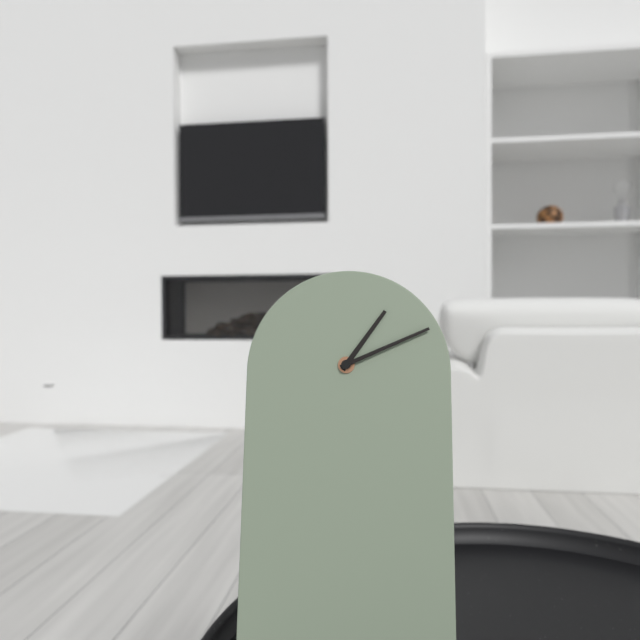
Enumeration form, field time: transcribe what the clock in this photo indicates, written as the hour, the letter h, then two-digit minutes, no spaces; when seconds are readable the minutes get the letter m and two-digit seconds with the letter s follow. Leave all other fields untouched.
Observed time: 1h11
